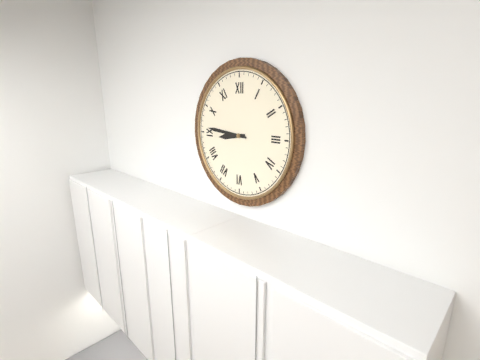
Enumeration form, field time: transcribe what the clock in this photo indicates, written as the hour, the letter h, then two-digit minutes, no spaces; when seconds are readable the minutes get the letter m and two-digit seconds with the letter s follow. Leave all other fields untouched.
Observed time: 8h46
